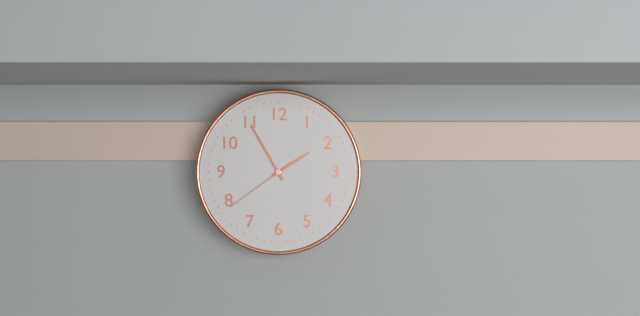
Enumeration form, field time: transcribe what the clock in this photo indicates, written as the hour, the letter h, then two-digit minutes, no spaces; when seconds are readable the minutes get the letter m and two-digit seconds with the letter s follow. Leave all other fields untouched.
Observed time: 1h55m39s
